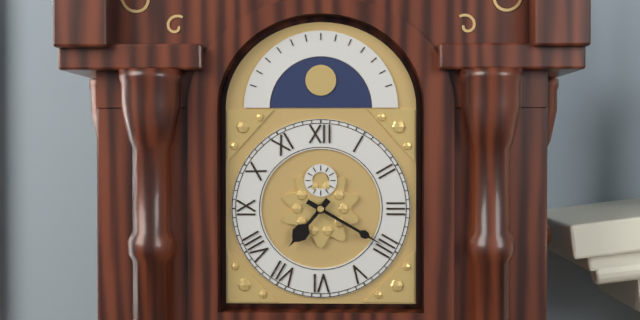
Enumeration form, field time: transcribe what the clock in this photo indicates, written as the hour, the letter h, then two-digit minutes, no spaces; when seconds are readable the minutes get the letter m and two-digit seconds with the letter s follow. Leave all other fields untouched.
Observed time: 7h20
